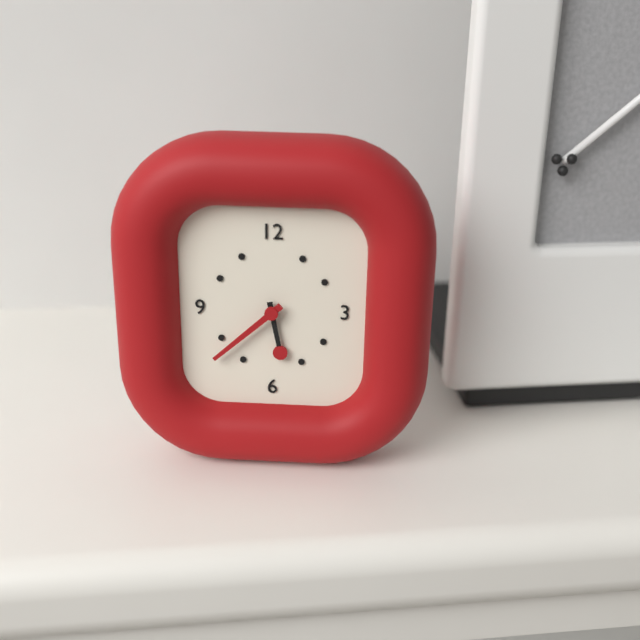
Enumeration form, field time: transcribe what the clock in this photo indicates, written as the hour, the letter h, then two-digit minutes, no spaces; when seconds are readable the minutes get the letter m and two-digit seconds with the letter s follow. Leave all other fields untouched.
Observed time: 5h38
